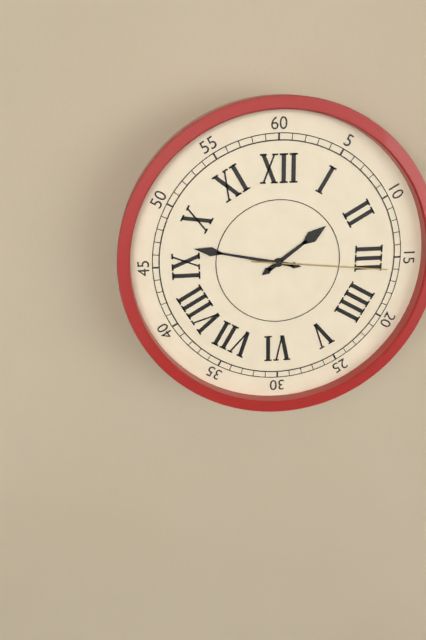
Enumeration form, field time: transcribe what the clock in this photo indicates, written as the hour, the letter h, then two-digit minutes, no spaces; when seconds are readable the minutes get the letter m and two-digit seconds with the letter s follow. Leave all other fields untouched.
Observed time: 1h47m16s
